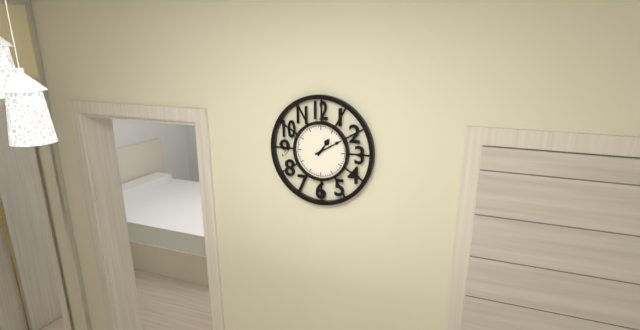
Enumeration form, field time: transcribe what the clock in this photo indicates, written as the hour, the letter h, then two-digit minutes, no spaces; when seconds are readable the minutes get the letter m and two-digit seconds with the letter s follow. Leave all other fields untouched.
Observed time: 1h10
